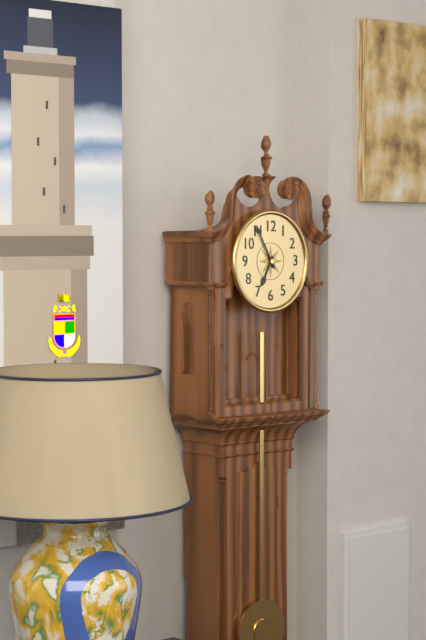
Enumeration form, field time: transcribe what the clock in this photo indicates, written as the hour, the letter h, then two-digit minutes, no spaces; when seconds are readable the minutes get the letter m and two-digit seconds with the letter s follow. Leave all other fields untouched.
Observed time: 6h55
